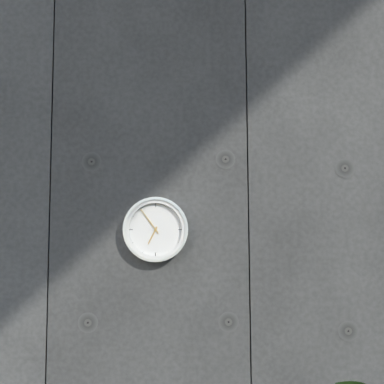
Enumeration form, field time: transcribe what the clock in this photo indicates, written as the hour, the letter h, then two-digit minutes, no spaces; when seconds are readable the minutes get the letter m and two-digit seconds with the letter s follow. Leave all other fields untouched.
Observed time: 6h54
